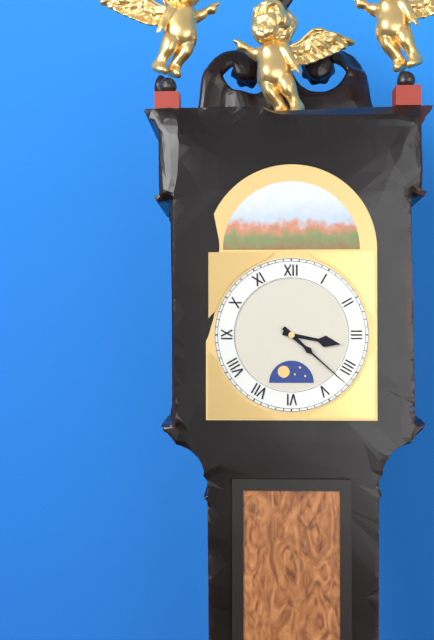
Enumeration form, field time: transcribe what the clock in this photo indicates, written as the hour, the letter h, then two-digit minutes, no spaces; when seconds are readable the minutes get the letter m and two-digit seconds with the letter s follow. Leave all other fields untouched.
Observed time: 3h22
